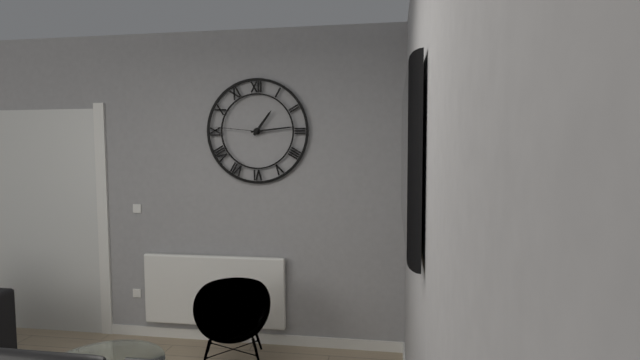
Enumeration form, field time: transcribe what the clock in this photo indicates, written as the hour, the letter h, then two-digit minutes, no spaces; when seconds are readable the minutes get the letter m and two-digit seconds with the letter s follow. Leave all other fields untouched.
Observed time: 1h14m46s
